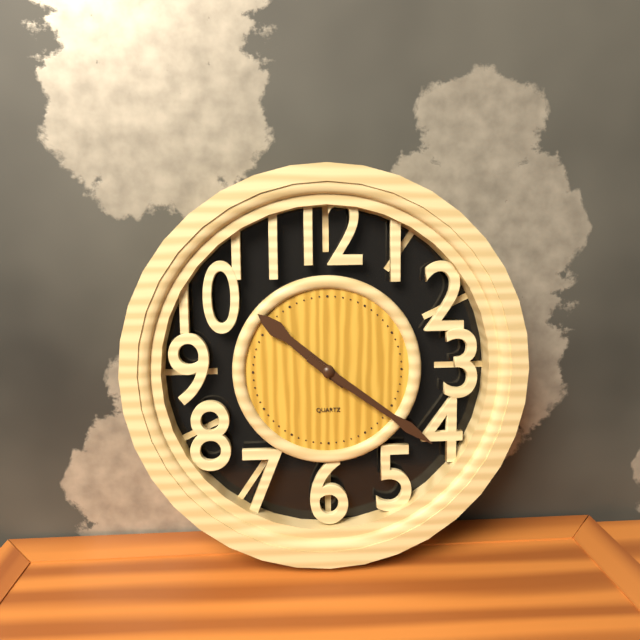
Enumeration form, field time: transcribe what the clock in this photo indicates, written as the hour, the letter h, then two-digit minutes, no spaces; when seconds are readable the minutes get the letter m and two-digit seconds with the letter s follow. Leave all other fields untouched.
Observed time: 10h21
